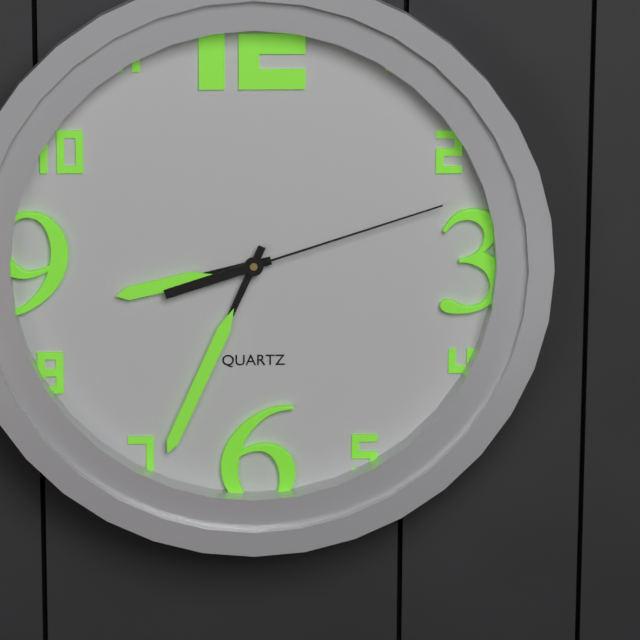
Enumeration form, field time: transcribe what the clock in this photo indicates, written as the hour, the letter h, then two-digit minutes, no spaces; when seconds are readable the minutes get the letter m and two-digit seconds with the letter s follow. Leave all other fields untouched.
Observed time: 8h34m12s
